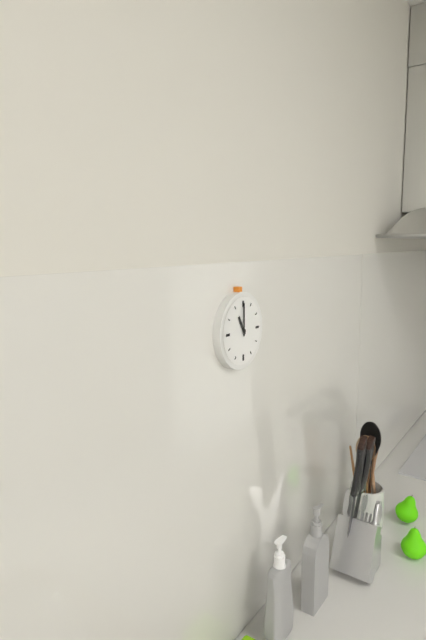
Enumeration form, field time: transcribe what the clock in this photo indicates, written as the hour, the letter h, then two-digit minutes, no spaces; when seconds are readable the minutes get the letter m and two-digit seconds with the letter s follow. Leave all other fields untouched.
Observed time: 11h00
